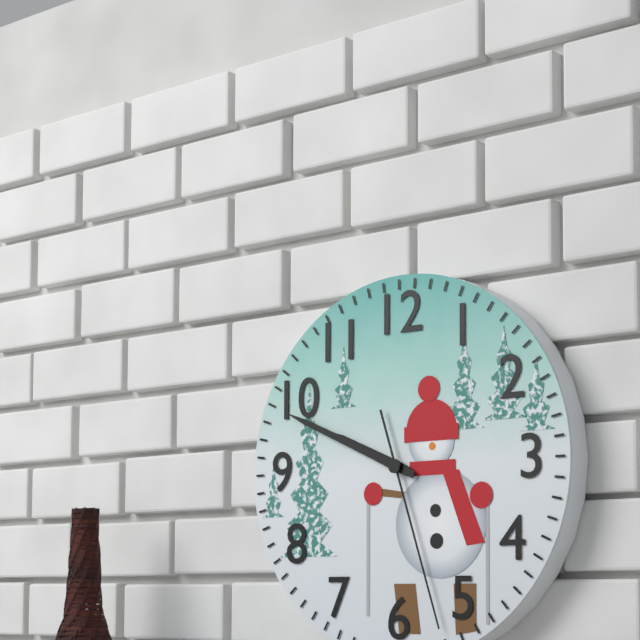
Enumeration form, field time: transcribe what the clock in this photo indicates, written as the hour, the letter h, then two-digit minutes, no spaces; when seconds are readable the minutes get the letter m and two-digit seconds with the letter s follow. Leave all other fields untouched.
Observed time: 9h49m27s
